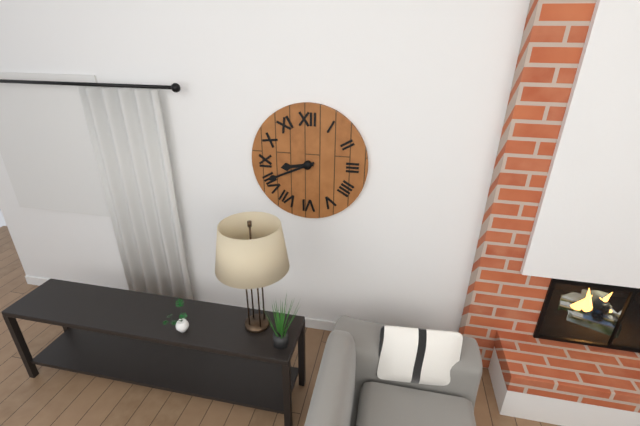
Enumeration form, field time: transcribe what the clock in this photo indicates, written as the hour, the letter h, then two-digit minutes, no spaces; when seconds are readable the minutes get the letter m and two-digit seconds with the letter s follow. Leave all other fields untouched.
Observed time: 8h41
